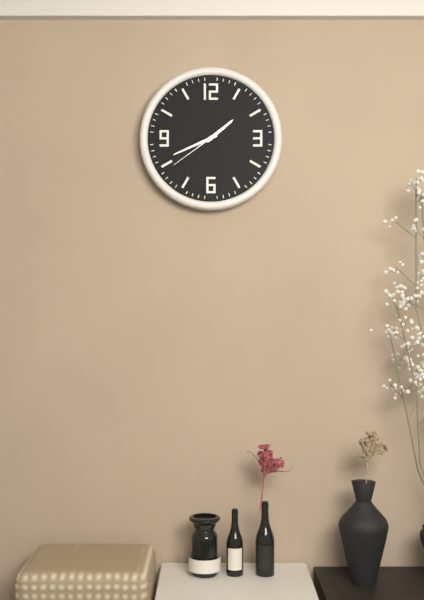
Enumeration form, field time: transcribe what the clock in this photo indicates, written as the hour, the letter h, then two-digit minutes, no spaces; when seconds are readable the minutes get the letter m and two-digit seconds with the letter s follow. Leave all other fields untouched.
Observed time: 1h41m39s
